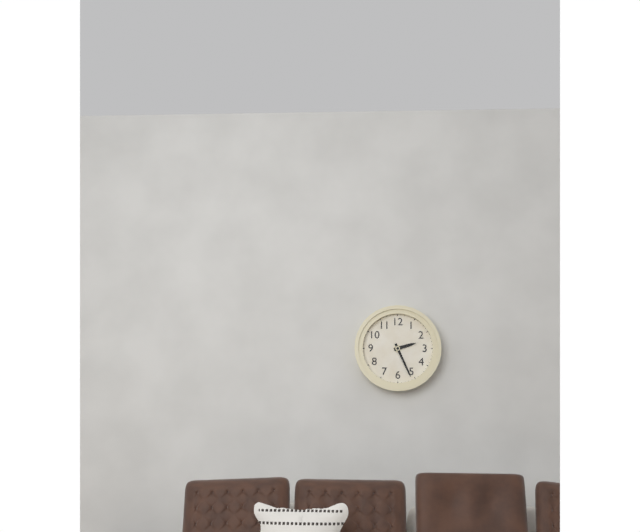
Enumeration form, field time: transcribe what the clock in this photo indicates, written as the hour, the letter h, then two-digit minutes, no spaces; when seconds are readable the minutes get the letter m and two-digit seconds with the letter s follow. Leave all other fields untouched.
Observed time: 2h26
